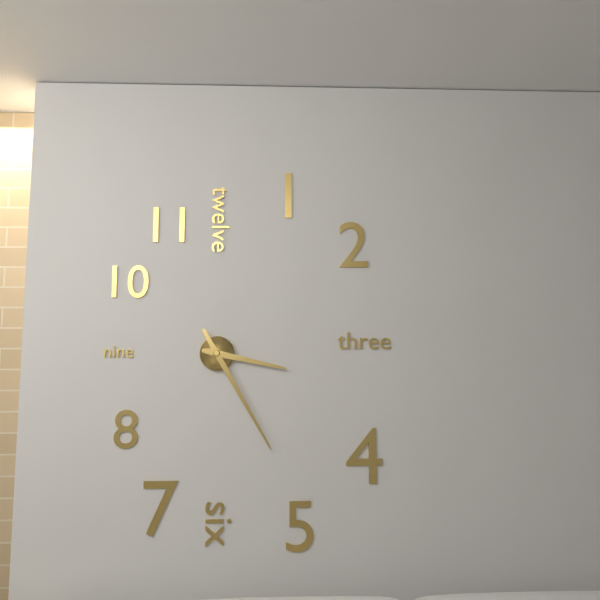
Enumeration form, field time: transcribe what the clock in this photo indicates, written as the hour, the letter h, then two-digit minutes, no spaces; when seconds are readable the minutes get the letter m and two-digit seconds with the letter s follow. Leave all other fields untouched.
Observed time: 3h25
